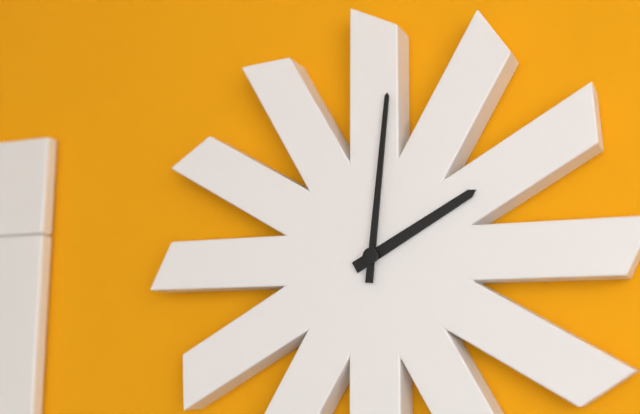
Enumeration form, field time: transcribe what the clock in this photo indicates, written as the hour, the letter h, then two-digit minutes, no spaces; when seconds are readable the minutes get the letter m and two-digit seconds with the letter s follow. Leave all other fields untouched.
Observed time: 2h01
